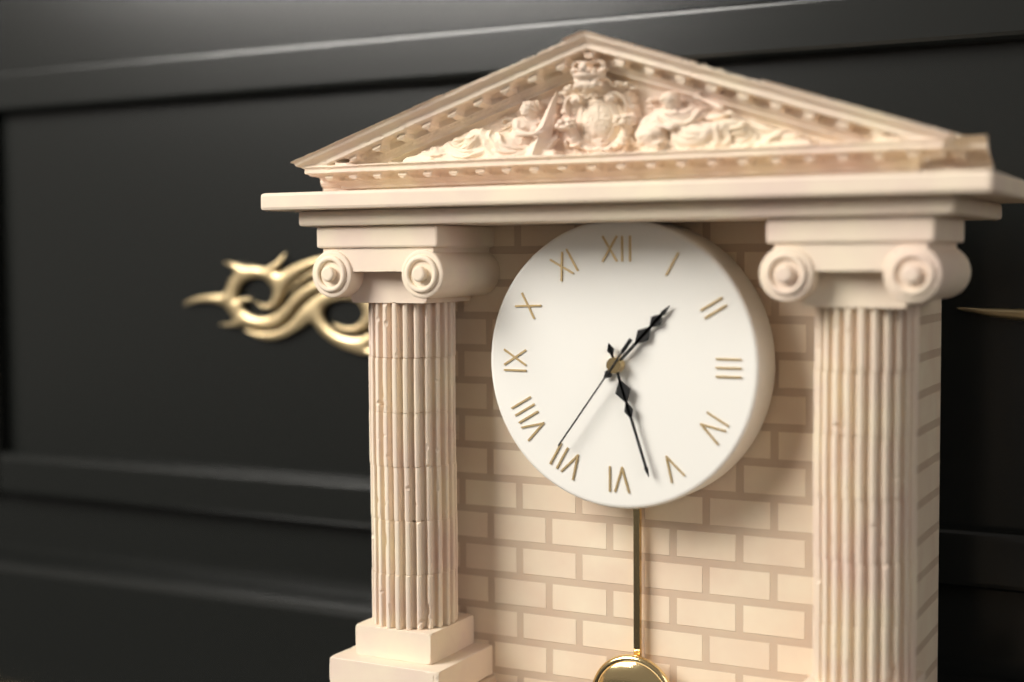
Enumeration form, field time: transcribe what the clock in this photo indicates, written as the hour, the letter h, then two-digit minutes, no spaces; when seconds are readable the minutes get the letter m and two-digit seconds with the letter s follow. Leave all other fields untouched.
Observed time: 1h27m36s
